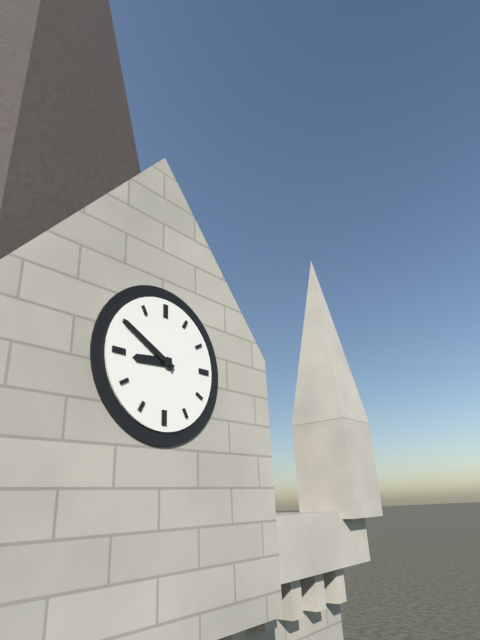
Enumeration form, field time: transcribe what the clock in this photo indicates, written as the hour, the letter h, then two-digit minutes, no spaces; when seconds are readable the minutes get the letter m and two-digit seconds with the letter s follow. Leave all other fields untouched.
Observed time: 8h50
